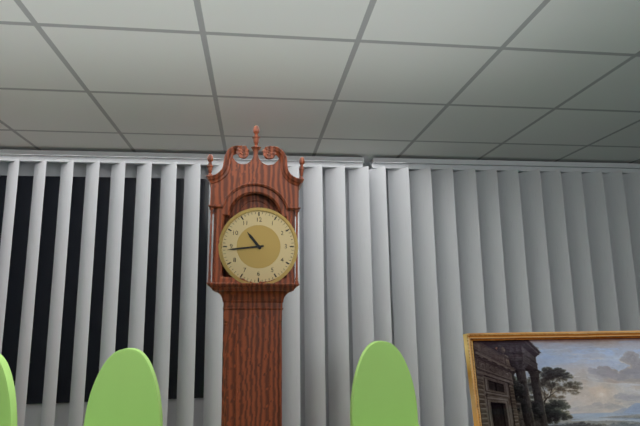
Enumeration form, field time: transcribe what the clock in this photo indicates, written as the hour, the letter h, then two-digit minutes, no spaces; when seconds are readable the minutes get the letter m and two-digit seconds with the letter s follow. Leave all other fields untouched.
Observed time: 10h44
